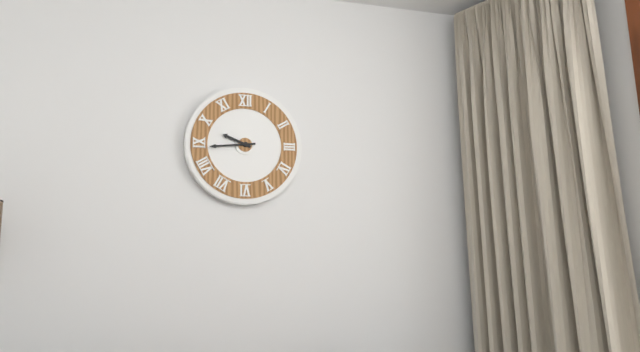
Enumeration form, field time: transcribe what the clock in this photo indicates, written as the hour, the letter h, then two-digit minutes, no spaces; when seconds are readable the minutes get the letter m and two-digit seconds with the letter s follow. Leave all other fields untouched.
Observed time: 9h44
